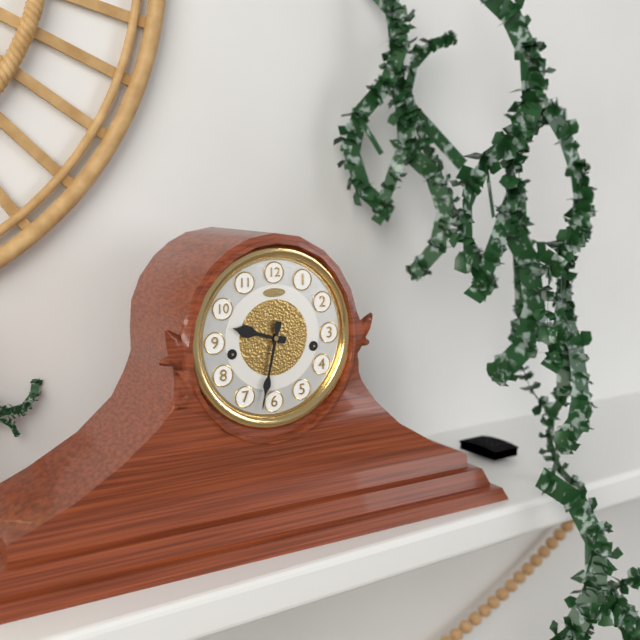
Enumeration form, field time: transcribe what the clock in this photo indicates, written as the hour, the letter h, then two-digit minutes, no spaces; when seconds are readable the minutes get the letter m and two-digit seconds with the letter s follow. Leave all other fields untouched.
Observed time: 9h32
